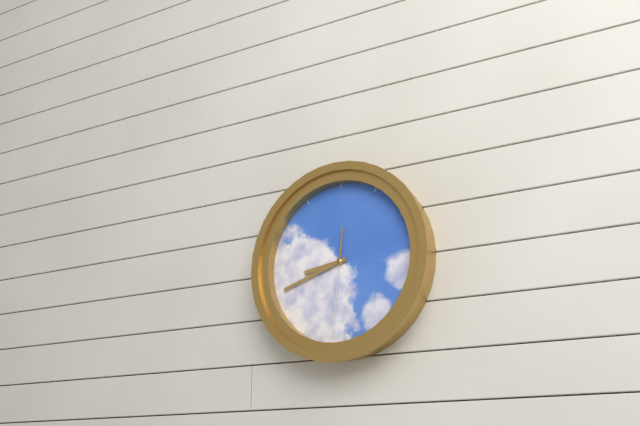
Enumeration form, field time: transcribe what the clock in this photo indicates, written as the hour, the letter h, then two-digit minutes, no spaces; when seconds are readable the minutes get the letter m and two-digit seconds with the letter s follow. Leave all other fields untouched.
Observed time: 8h42m31s
